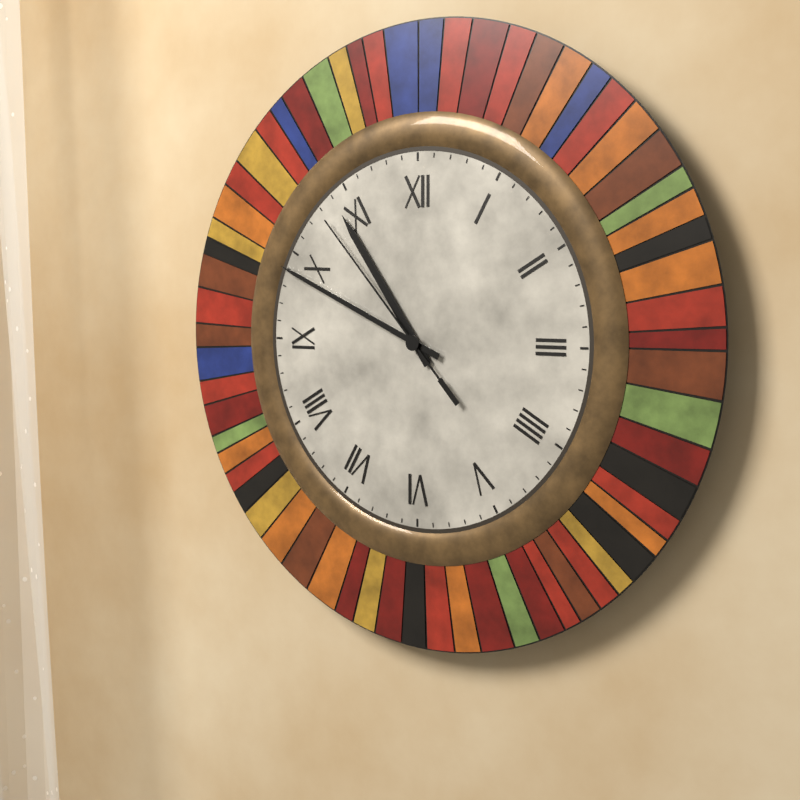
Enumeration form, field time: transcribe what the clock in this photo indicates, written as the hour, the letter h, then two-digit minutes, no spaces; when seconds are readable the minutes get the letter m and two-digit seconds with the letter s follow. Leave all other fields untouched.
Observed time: 10h49m53s
